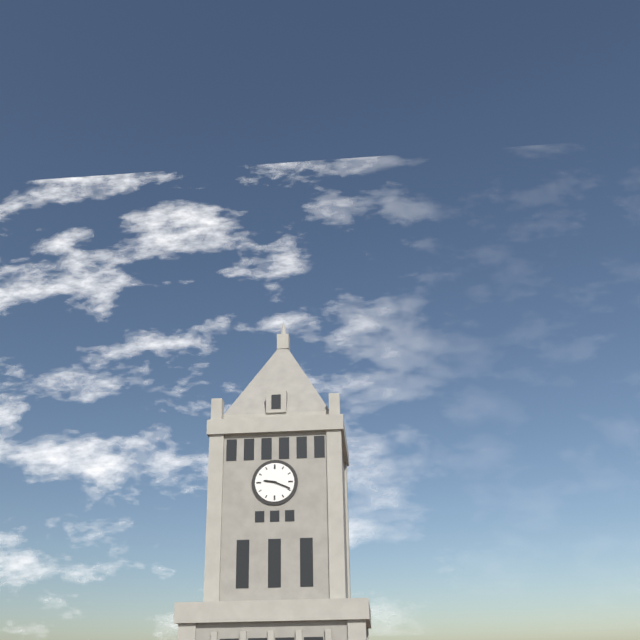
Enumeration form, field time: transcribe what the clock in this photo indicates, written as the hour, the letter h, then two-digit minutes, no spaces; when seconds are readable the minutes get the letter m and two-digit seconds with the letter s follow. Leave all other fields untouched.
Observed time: 9h19
